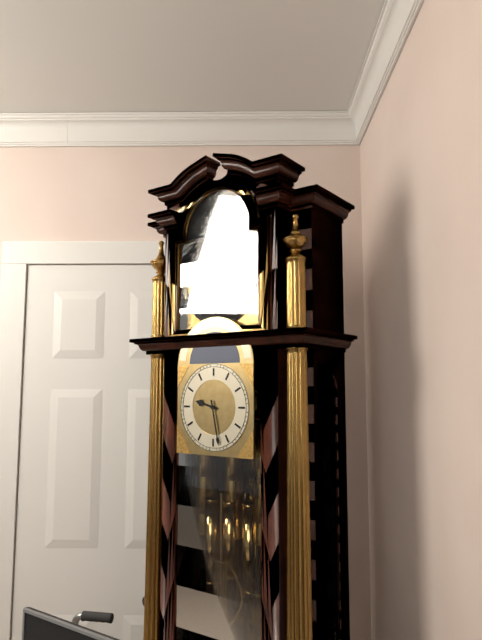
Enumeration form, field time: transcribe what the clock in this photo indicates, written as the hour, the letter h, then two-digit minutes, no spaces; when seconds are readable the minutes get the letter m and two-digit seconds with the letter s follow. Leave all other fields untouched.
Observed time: 9h28
